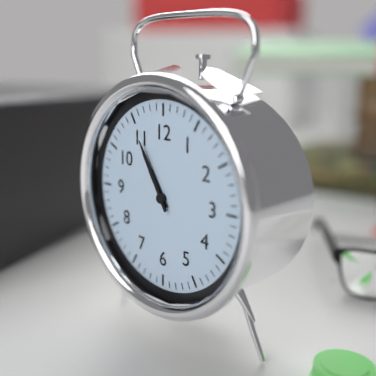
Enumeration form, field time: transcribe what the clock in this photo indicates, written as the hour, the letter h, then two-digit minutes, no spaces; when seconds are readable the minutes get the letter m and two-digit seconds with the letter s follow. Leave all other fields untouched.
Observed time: 10h55
